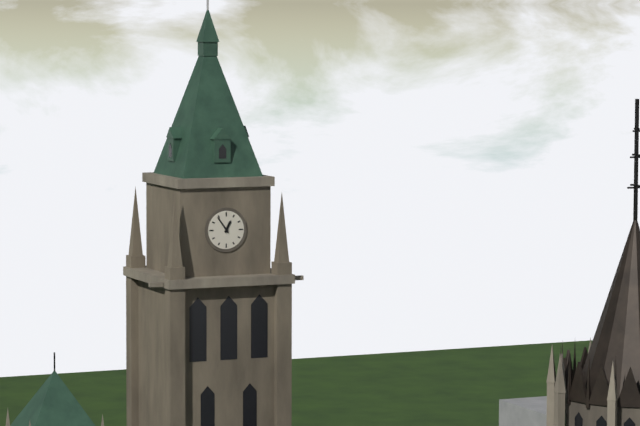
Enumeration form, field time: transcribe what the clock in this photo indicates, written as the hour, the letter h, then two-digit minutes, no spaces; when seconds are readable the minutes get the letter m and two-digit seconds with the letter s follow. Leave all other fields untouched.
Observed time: 12h54
